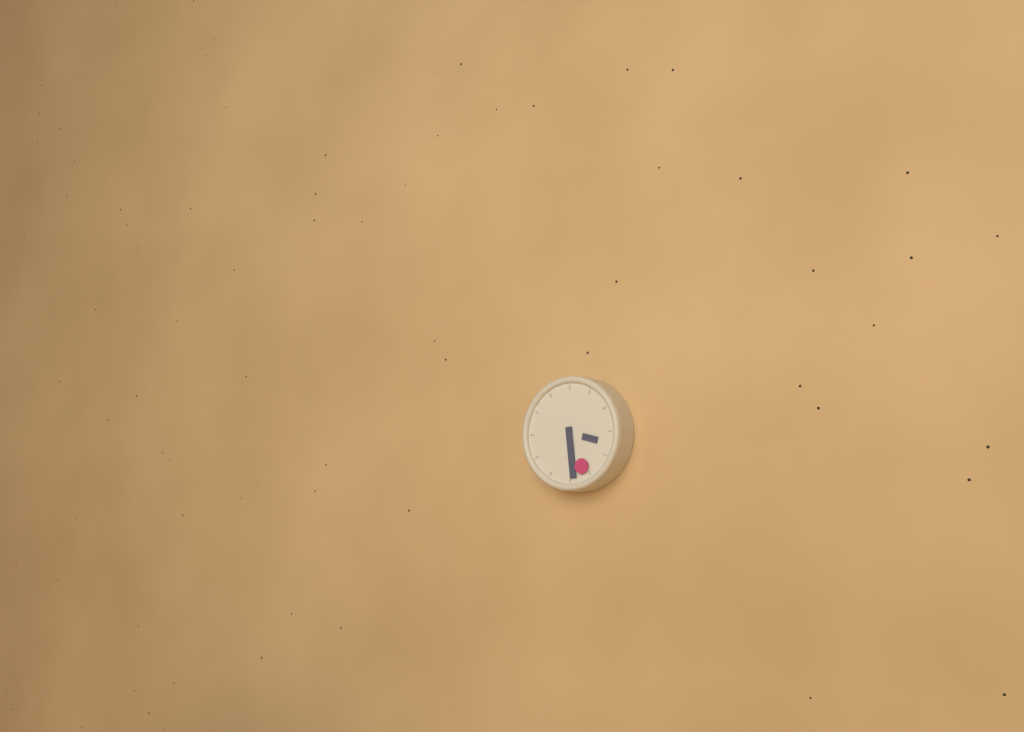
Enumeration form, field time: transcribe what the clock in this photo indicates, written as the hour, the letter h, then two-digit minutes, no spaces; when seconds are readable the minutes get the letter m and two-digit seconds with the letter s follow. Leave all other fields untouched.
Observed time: 3h29m26s
